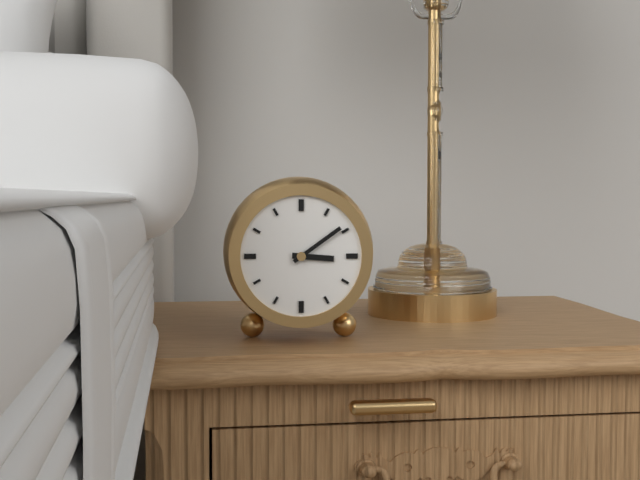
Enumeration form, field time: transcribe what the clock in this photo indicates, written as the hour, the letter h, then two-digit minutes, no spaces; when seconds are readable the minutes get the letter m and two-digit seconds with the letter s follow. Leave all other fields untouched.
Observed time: 3h09
